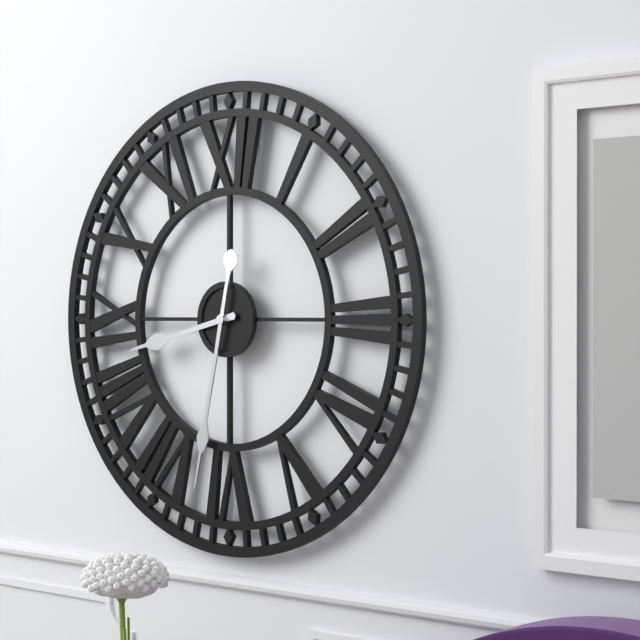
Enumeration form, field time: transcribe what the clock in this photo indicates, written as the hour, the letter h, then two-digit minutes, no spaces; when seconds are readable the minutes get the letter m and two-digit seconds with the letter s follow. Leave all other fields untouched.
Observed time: 8h32
